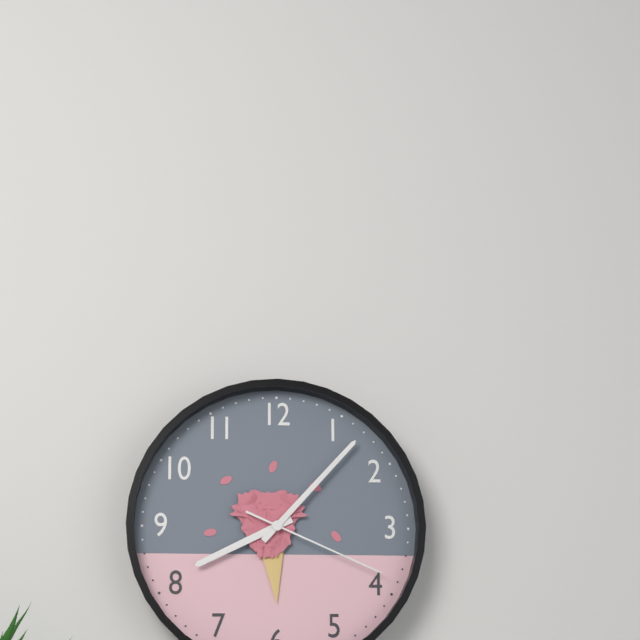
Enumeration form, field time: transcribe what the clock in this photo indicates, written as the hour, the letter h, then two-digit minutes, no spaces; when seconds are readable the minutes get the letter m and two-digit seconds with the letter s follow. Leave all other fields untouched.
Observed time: 8h07m19s
